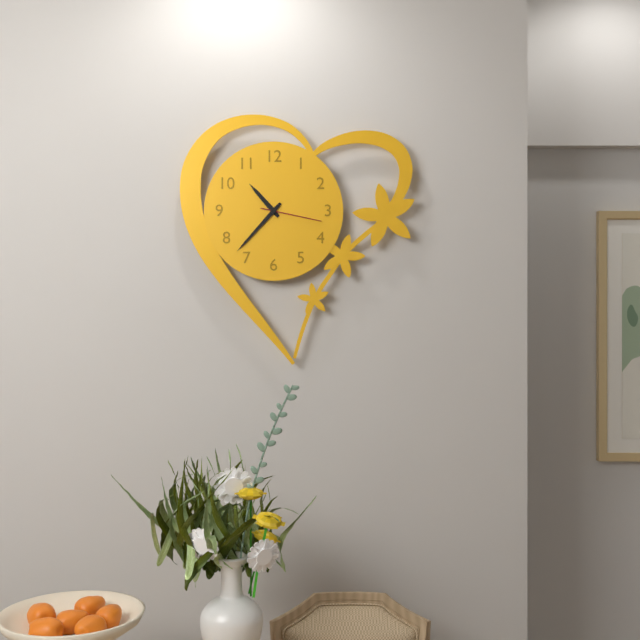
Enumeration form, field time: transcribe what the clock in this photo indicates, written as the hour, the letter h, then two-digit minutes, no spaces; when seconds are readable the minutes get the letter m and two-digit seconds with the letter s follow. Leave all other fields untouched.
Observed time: 10h37m17s
